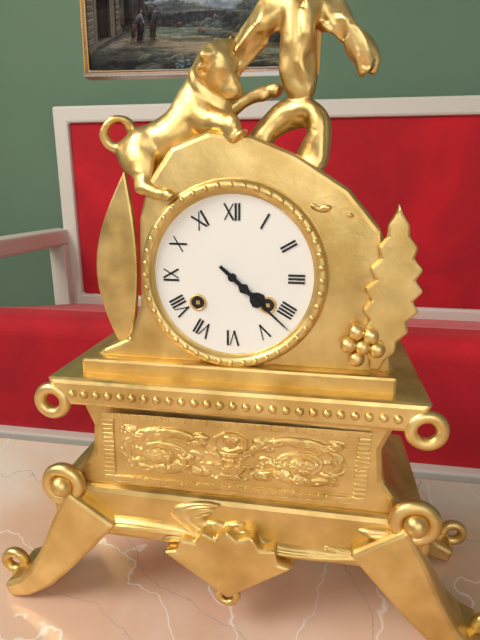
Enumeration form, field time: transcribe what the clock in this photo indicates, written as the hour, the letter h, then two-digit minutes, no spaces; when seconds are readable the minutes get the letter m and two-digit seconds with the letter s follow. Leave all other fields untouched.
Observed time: 4h22
